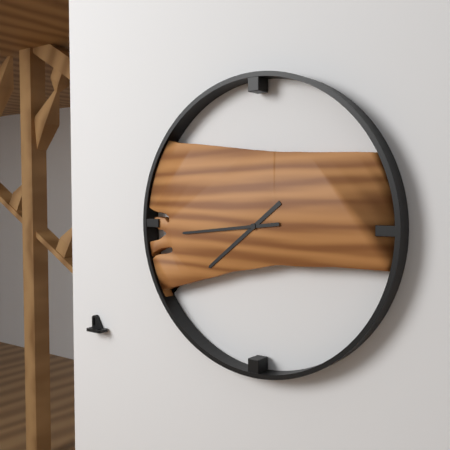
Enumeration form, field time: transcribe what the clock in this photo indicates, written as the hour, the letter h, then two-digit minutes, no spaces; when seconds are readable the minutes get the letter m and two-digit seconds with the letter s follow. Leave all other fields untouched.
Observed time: 7h44
